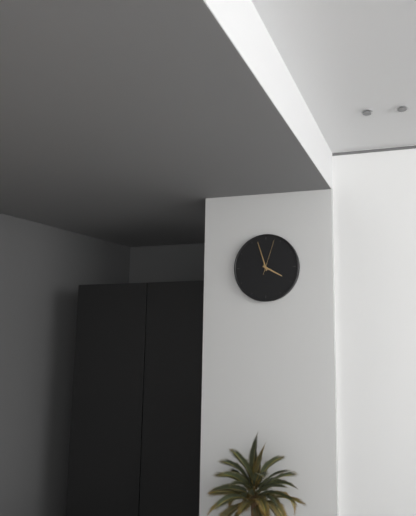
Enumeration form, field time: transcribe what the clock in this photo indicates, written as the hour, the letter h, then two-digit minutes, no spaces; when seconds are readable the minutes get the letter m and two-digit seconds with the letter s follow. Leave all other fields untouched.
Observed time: 3h57
